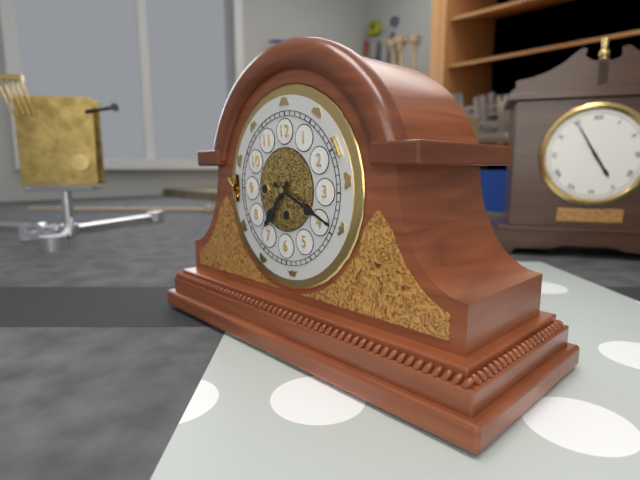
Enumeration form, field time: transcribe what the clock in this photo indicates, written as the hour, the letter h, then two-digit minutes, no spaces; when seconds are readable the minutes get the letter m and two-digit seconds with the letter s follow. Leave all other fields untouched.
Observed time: 7h19
